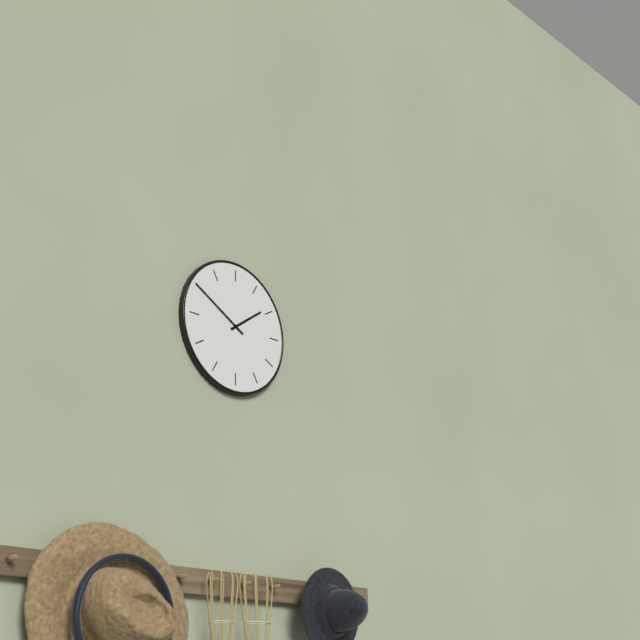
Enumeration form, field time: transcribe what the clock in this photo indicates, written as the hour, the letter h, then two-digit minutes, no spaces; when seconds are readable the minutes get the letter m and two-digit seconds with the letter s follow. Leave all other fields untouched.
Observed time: 1h50
